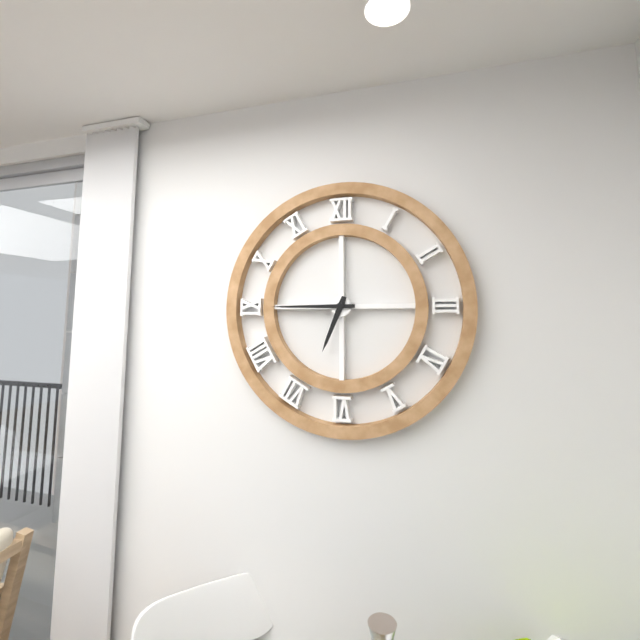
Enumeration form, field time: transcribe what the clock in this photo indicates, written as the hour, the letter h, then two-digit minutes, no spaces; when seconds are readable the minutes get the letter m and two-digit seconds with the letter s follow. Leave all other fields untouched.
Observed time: 6h45
